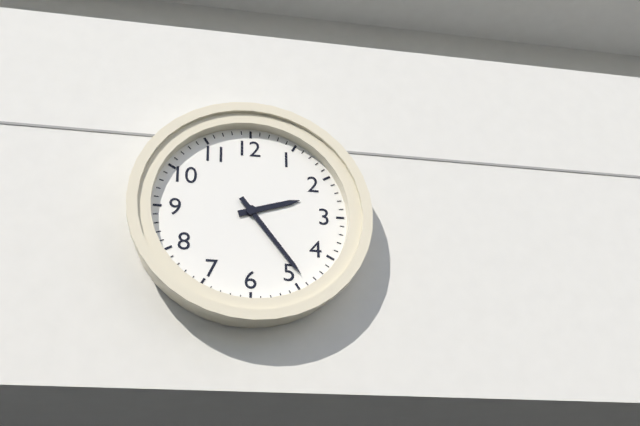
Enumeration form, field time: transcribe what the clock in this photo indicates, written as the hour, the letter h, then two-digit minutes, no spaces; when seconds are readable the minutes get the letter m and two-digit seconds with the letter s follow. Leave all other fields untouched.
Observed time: 2h24
